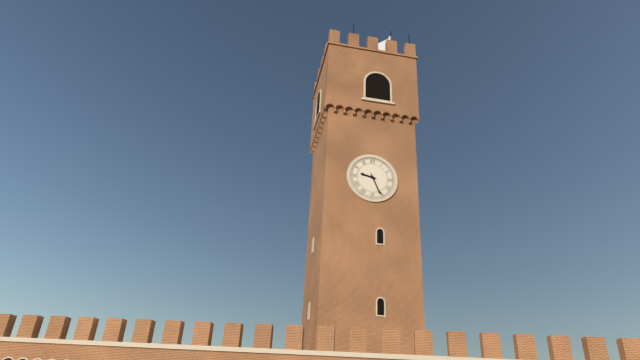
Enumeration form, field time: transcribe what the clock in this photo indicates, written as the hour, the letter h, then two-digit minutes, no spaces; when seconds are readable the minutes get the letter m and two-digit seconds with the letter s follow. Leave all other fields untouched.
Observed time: 9h26
